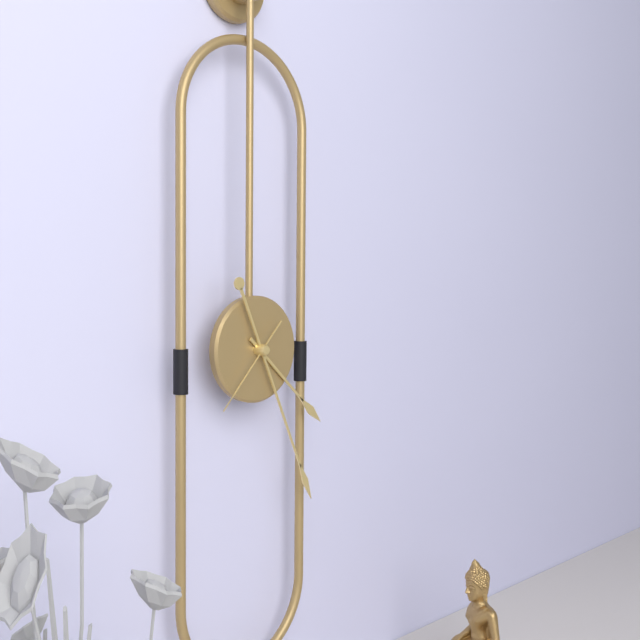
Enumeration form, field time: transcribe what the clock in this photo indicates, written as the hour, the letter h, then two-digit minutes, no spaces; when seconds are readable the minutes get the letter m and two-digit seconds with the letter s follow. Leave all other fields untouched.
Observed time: 4h26m37s
